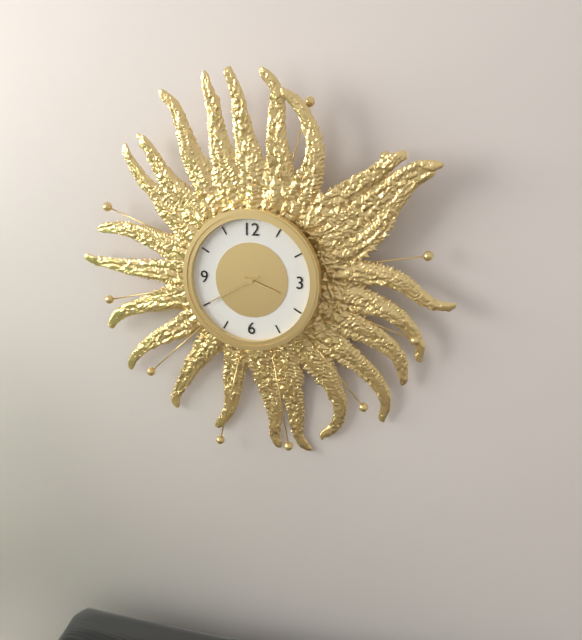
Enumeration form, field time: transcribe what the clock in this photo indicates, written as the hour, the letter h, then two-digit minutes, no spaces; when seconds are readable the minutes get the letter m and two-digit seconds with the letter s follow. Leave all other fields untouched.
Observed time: 3h40
